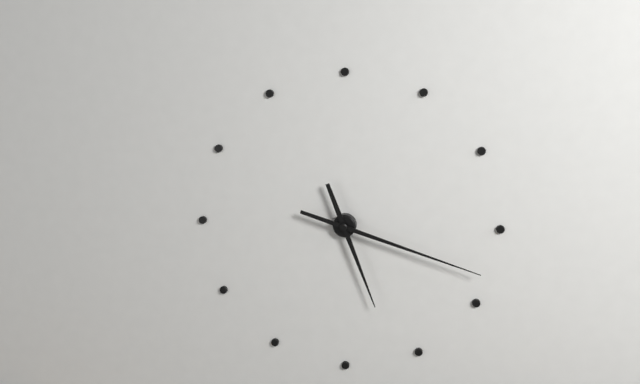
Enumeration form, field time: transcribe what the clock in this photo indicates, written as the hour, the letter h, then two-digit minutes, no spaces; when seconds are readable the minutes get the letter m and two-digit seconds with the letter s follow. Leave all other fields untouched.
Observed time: 5h18
